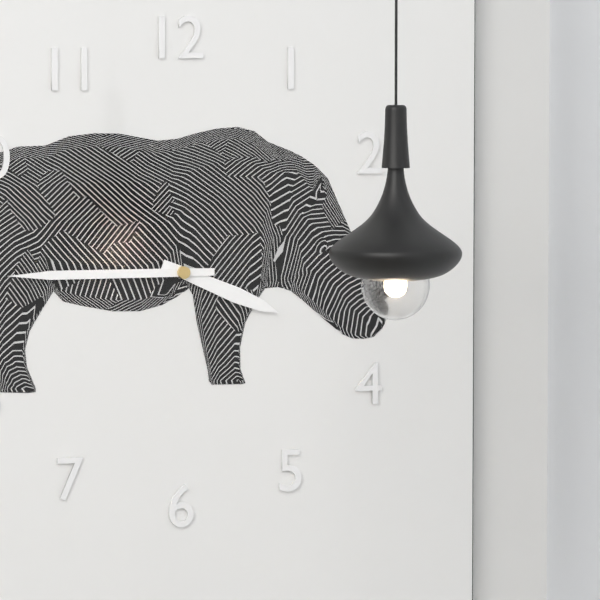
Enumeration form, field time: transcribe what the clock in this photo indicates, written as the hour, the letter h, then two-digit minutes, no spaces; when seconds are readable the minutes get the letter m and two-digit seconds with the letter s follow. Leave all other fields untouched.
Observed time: 3h45
